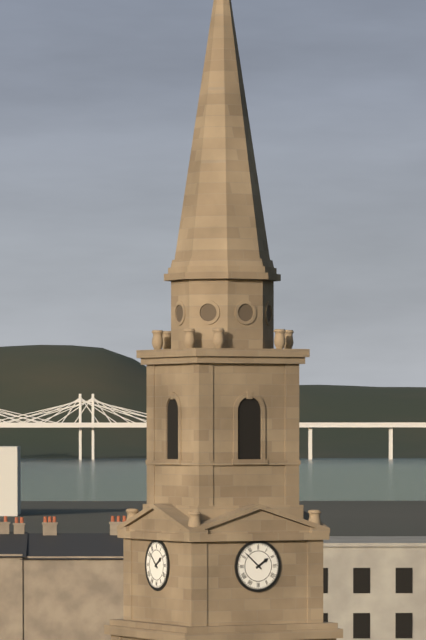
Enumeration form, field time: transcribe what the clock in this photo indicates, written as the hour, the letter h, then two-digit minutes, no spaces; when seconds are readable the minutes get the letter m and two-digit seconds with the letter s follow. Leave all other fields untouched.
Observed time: 1h52
